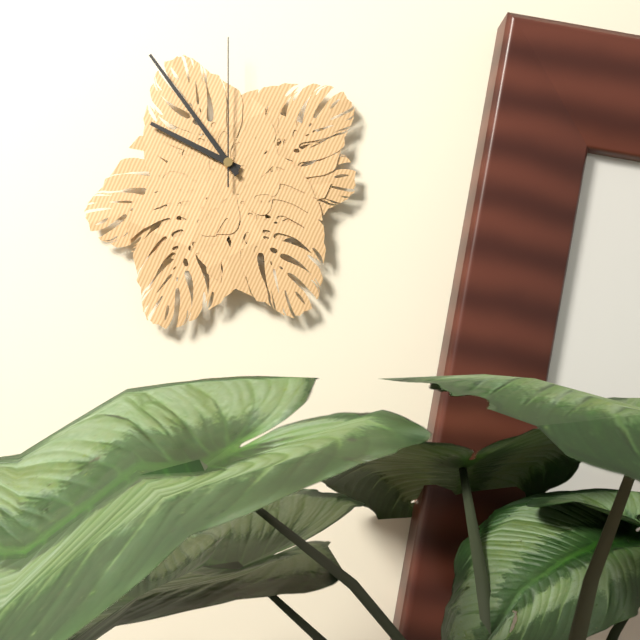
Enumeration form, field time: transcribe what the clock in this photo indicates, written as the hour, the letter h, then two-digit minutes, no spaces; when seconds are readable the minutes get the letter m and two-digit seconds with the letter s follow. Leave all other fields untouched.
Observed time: 9h54m00s
